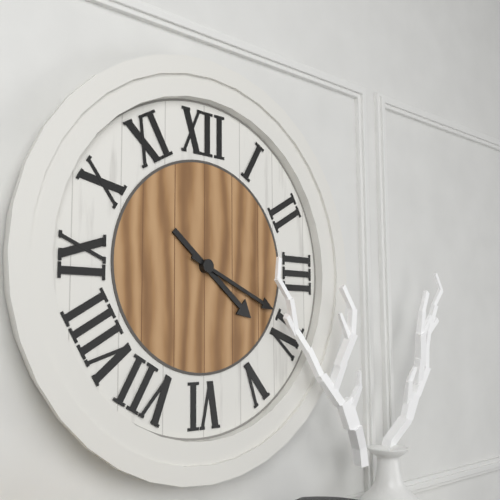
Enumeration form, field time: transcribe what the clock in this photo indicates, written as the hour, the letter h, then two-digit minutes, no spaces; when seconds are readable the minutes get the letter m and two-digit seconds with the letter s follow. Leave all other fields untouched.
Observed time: 4h19
